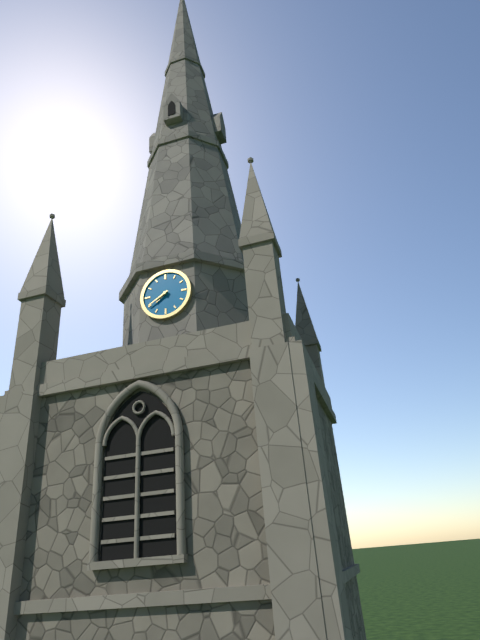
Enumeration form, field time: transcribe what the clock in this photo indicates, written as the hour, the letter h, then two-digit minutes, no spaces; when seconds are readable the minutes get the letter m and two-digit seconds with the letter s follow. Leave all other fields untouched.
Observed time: 7h40
